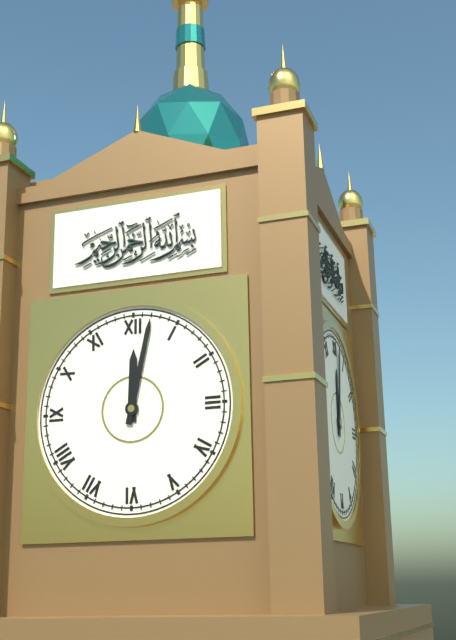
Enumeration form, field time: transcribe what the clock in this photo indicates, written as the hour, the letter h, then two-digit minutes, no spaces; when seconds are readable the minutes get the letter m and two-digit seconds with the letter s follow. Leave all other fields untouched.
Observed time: 12h02
